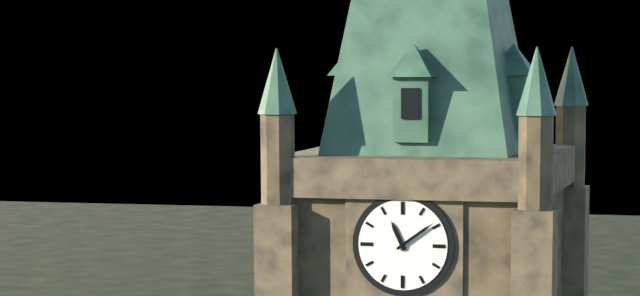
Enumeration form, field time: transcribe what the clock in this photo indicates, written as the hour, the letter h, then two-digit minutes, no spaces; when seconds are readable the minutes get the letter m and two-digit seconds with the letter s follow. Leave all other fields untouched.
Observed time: 11h09
